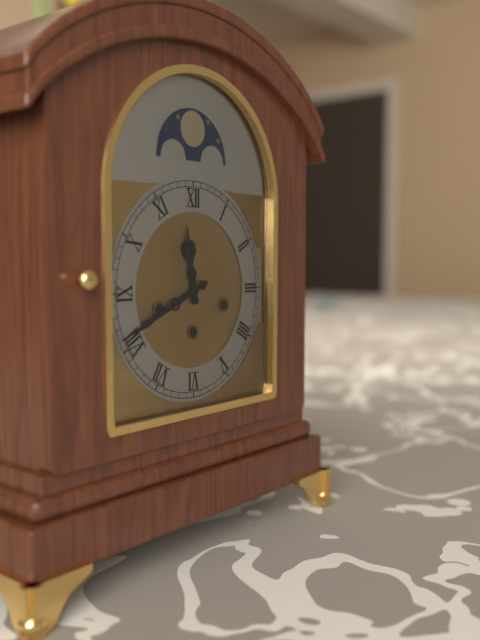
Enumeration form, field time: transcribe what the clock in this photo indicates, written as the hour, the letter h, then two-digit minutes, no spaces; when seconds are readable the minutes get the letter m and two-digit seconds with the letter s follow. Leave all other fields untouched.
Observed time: 11h41
